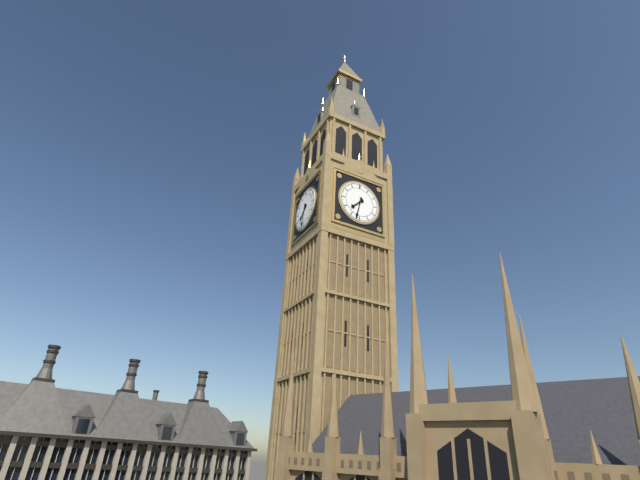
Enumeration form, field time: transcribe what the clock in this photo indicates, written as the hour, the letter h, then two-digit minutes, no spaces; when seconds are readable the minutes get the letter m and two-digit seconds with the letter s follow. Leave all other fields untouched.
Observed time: 7h32
